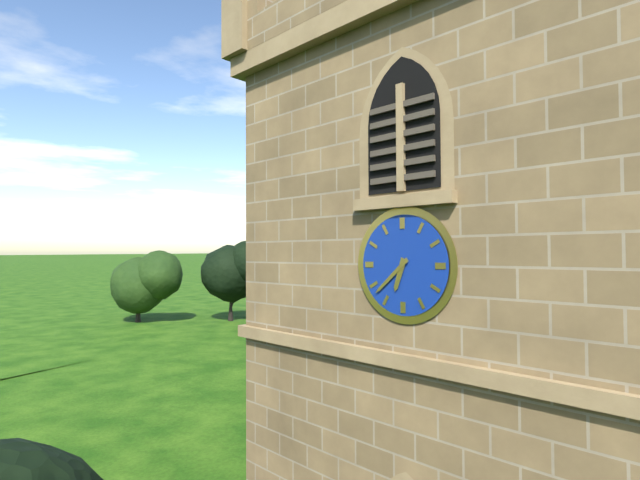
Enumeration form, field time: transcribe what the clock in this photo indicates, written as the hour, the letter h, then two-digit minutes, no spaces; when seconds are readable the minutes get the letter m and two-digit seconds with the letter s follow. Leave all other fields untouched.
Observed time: 6h38
